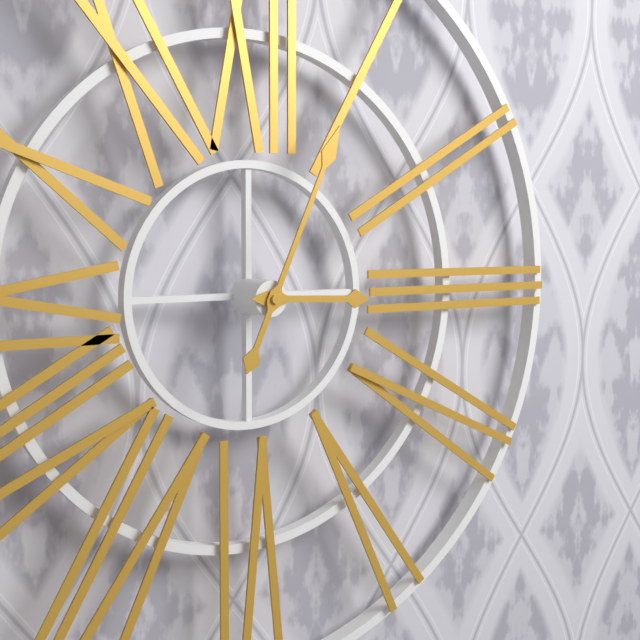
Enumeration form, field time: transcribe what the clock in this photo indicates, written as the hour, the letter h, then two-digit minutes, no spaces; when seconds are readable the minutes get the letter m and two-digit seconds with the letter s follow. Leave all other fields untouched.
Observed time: 3h04
